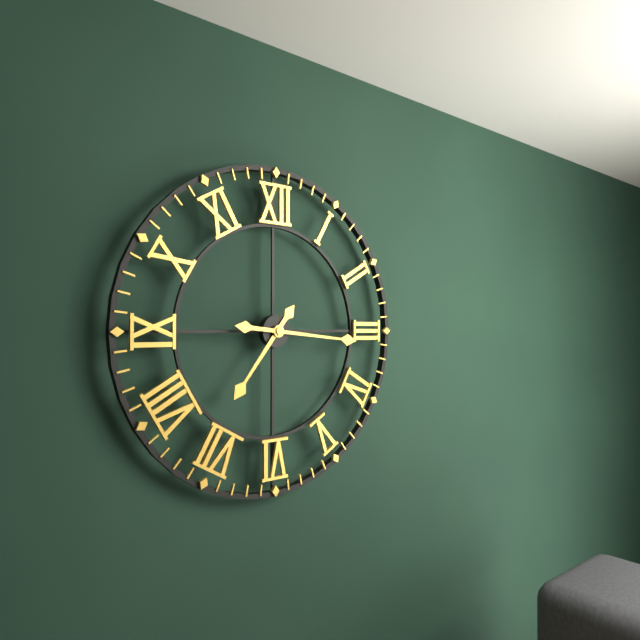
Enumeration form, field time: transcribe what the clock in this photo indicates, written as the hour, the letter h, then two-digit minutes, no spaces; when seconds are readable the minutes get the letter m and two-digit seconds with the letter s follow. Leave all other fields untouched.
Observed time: 7h16
